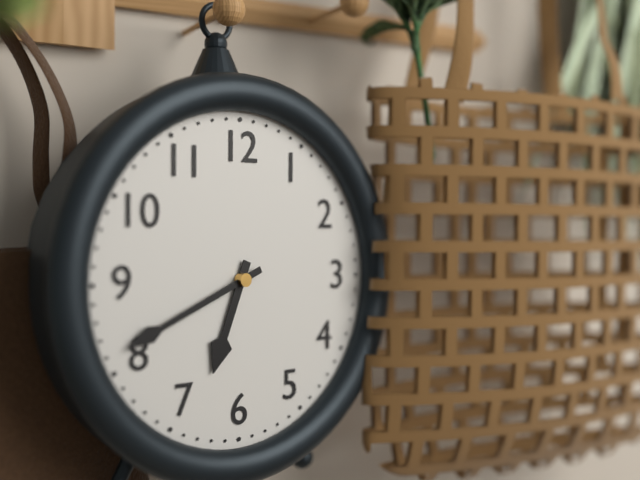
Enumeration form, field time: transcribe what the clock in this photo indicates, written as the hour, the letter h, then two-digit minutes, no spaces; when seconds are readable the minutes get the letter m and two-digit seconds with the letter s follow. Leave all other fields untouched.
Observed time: 6h41
